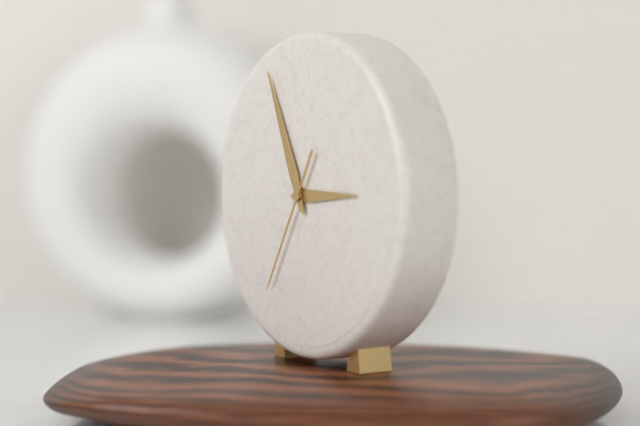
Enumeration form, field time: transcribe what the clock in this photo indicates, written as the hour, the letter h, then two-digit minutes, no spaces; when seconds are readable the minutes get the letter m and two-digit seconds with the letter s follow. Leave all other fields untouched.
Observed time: 2h56m35s
